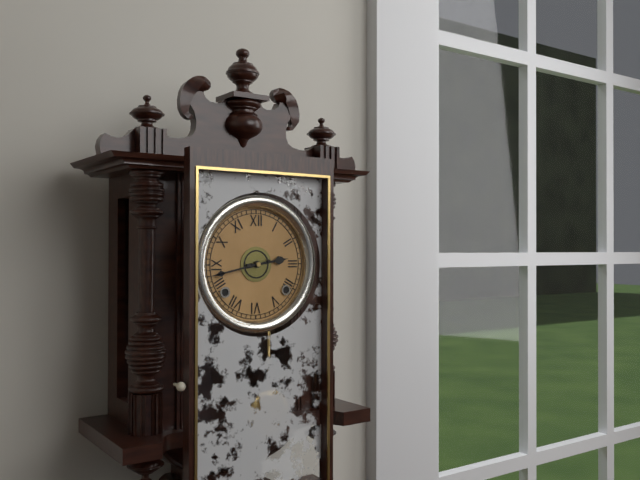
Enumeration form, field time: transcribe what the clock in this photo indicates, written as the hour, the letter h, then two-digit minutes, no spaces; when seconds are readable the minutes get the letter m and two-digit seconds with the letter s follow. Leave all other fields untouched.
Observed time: 2h43
